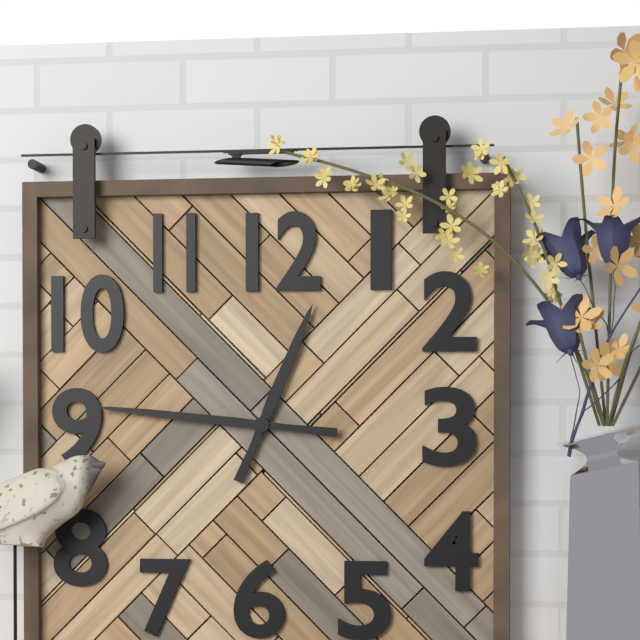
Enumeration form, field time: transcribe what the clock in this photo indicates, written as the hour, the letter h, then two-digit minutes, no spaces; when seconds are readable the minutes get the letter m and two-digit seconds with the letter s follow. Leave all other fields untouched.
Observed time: 12h46
